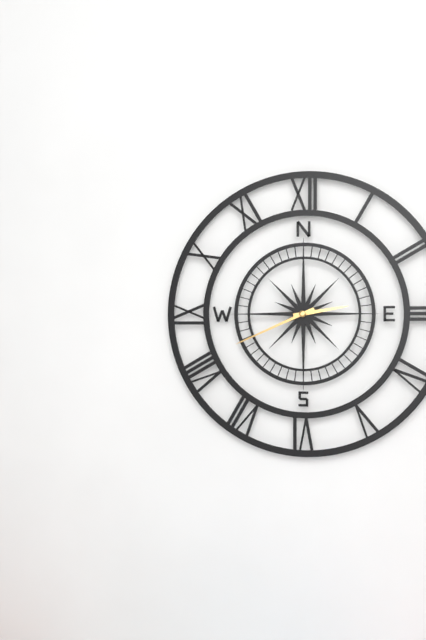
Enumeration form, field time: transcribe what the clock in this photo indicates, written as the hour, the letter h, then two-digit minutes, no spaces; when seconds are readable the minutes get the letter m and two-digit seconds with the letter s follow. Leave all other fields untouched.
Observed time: 2h41
